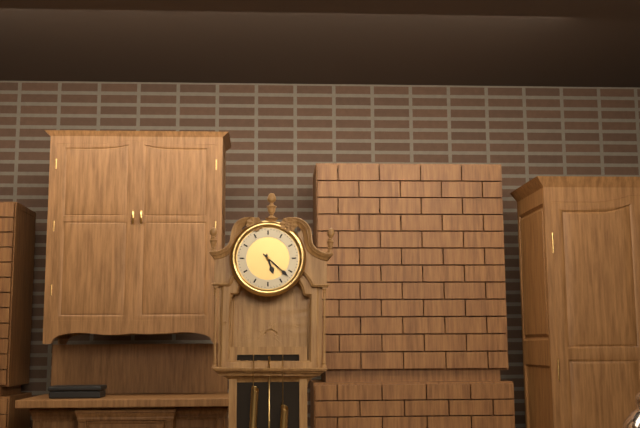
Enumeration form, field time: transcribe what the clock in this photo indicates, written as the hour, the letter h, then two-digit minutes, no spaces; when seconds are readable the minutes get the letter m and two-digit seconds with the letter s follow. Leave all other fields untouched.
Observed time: 5h22
